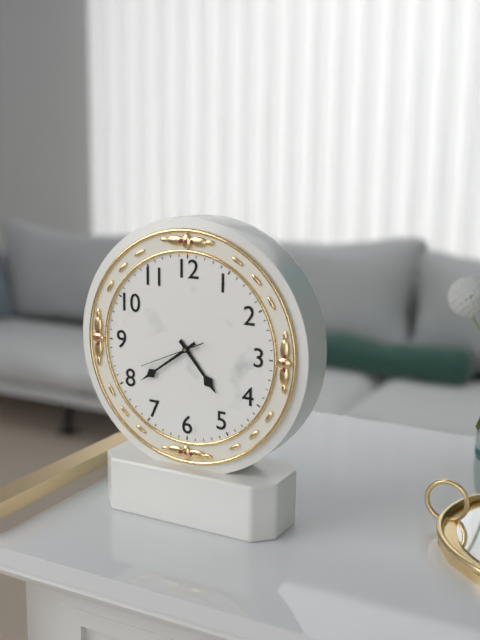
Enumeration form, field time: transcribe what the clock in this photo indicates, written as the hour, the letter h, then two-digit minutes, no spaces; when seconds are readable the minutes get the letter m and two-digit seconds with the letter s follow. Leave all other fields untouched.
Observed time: 4h39m41s
